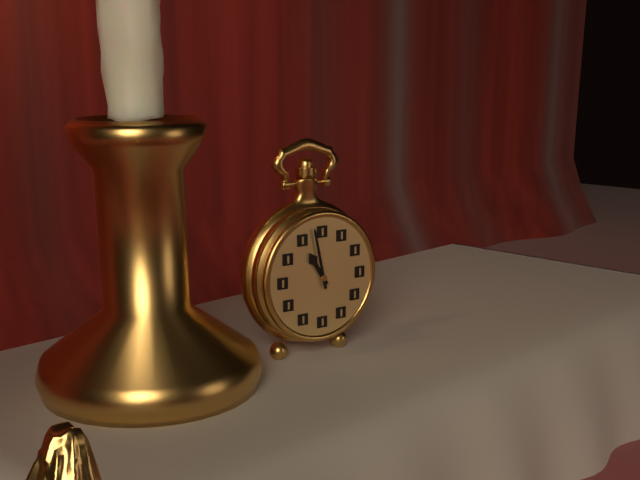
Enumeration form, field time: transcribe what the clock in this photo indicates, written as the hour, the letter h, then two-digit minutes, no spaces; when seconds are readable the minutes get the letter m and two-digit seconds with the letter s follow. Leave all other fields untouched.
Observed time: 10h58
